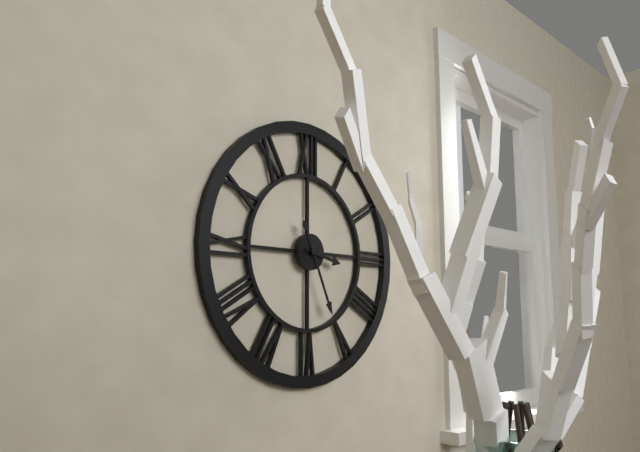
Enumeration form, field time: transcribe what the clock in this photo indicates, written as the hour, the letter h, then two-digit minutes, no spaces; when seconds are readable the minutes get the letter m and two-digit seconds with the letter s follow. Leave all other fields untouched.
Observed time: 3h26
